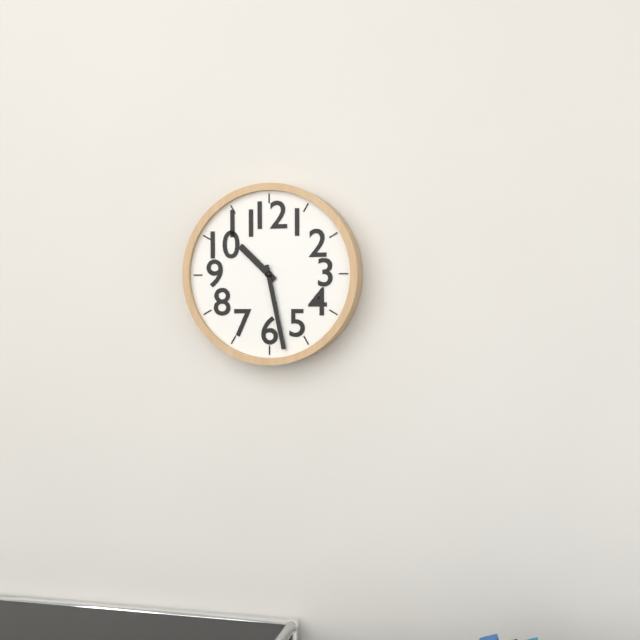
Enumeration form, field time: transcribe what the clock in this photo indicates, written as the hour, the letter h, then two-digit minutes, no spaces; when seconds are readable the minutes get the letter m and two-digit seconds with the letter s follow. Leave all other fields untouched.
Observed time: 10h28
